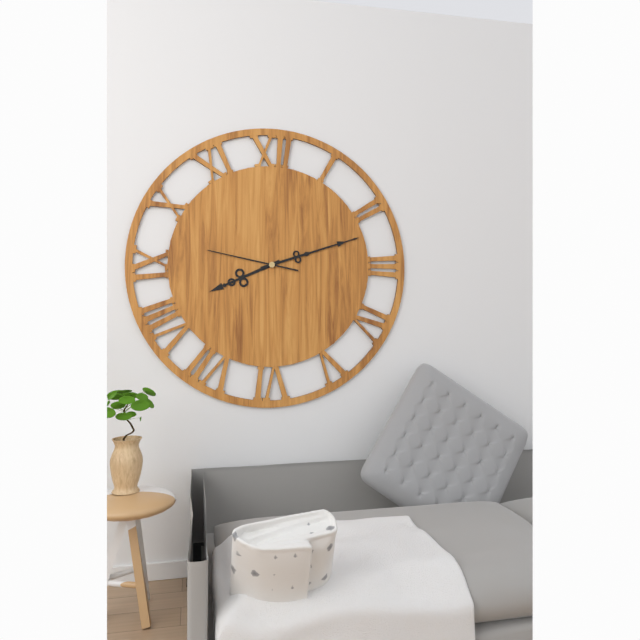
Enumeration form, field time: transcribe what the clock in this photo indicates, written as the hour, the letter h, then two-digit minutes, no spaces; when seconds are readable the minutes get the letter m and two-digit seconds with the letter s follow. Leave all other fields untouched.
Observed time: 8h12m47s
